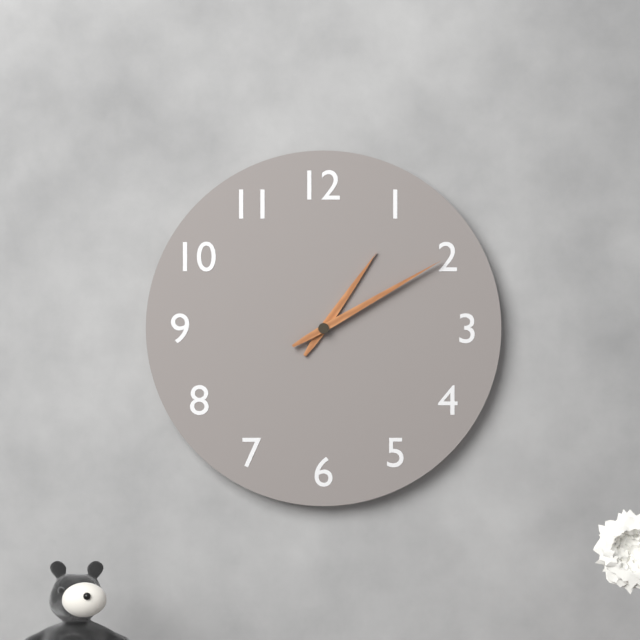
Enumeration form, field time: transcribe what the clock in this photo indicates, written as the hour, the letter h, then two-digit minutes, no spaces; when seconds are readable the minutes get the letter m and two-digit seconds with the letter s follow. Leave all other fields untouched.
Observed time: 1h10
